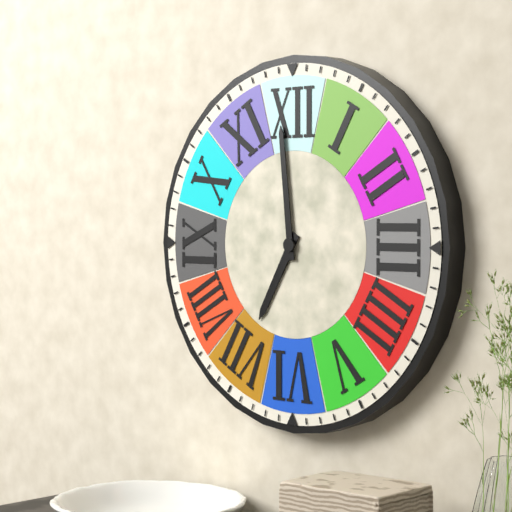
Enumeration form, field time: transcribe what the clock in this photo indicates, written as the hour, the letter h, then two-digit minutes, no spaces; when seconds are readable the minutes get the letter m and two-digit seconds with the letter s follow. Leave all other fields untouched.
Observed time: 6h59
